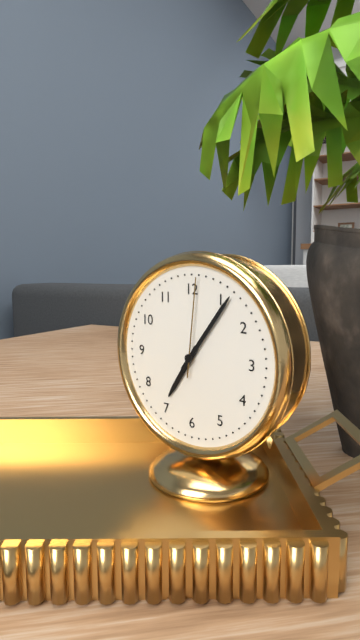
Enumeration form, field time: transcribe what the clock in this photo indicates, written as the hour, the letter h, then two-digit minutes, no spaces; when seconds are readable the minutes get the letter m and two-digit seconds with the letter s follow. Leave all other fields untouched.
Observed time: 7h06m01s
